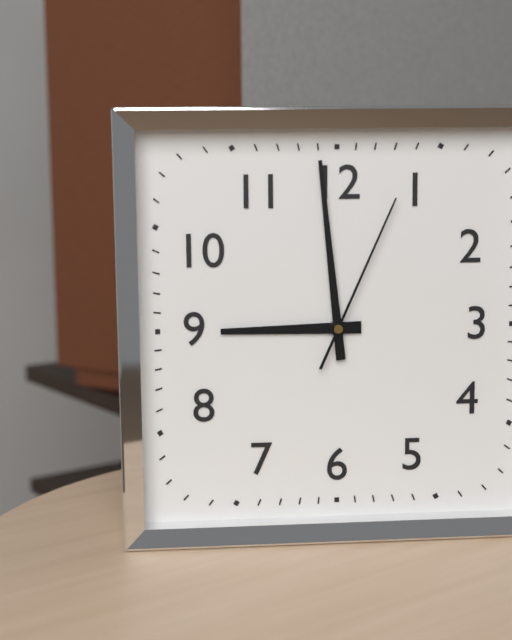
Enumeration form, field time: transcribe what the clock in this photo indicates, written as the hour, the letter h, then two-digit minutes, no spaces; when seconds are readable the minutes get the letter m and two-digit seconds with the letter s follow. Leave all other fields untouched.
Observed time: 8h59m04s
